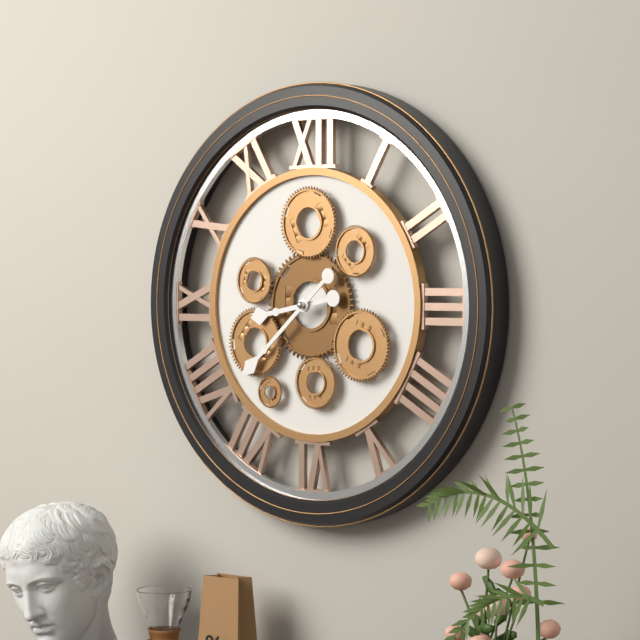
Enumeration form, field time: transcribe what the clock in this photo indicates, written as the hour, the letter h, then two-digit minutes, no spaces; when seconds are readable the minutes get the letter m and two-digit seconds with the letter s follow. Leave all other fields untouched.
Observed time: 8h38
